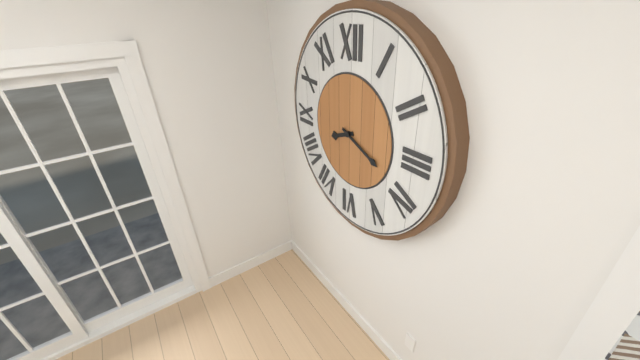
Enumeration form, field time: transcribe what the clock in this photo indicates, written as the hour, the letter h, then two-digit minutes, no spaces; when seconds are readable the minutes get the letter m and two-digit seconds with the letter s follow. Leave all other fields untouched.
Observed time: 8h19
